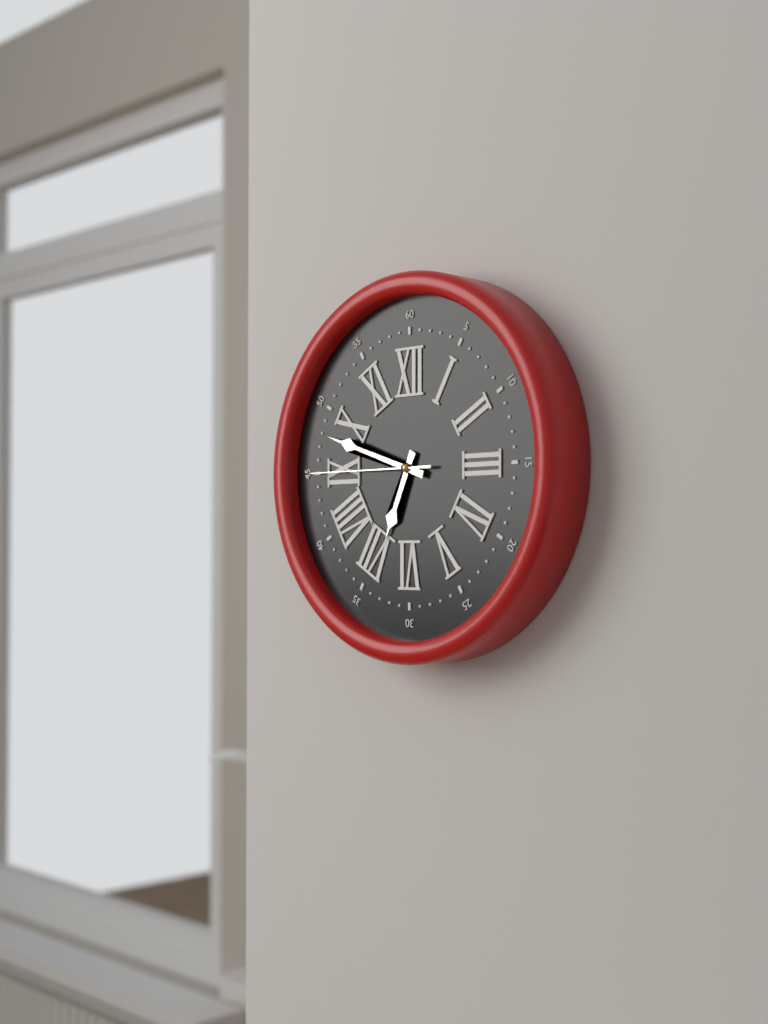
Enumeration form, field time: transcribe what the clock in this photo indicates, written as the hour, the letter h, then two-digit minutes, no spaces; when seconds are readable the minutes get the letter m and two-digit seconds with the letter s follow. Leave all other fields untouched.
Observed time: 6h48m45s
